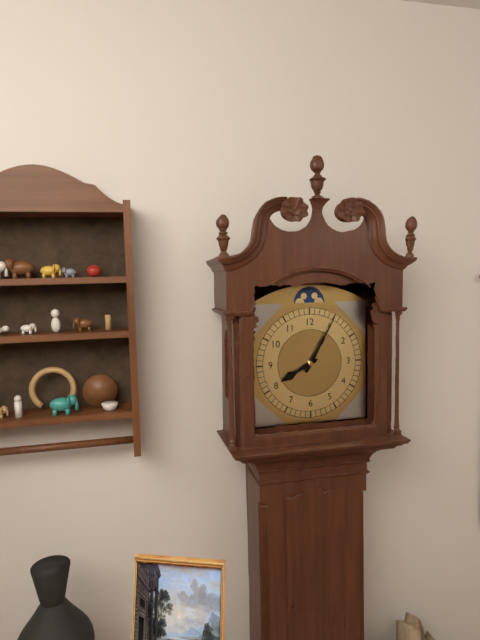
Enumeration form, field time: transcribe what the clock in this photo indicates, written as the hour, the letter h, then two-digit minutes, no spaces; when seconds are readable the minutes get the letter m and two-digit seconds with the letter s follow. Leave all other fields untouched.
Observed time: 8h05
